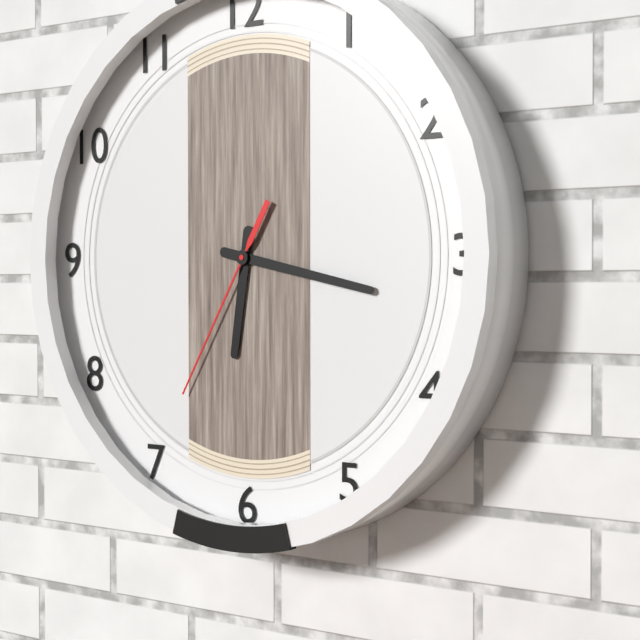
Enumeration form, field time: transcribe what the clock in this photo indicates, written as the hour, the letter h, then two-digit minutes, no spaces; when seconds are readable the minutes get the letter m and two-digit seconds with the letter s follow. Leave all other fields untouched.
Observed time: 6h17m35s
